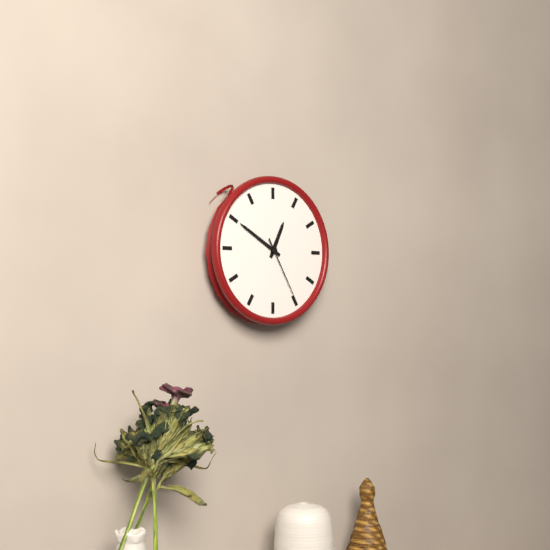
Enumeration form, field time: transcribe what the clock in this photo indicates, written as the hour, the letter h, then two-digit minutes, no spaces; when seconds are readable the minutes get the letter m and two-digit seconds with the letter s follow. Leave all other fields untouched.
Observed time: 12h50m25s
